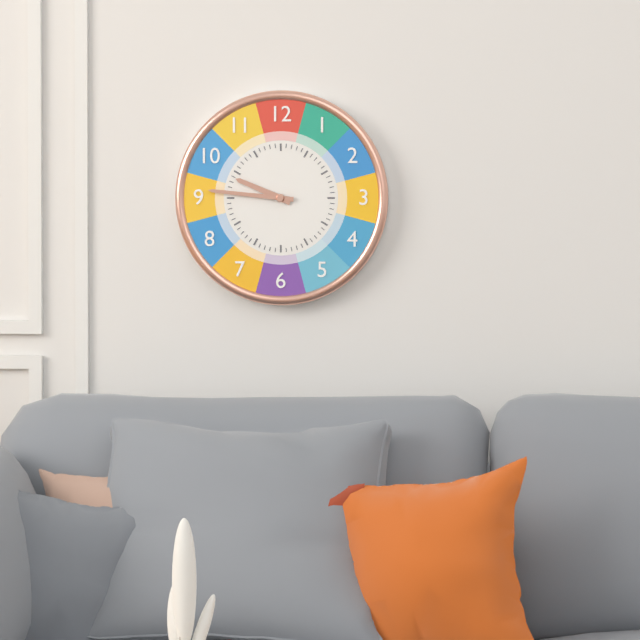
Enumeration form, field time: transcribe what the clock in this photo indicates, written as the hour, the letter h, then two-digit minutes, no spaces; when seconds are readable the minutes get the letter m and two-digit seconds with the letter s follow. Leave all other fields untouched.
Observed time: 9h46
